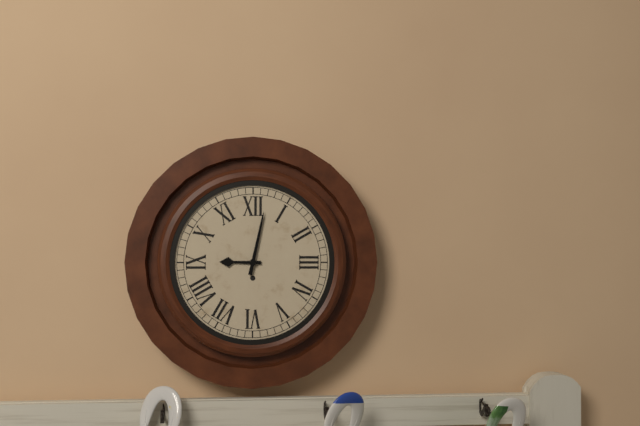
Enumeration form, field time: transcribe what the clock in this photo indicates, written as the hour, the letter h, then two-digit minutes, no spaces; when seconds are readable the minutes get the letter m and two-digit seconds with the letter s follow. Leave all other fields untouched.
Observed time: 9h02
